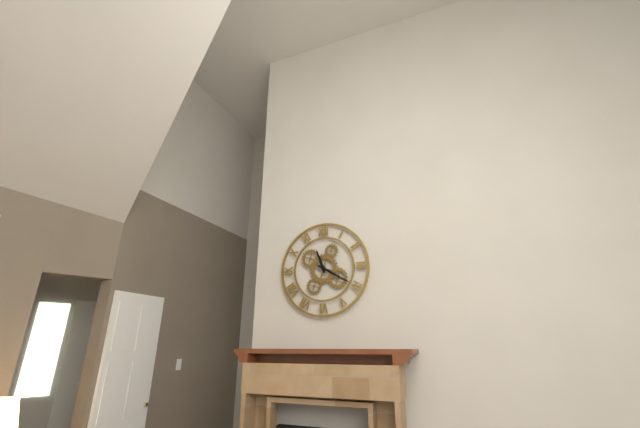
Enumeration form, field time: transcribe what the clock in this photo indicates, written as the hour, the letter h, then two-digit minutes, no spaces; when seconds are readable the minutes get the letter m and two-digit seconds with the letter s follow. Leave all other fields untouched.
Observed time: 11h20
